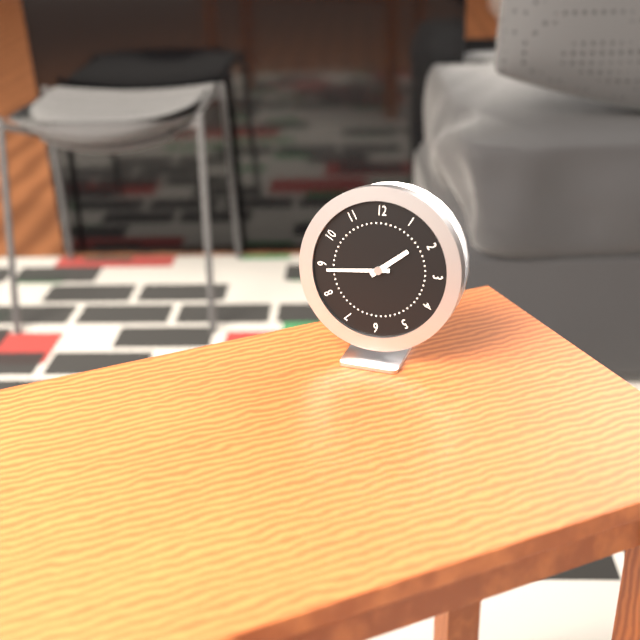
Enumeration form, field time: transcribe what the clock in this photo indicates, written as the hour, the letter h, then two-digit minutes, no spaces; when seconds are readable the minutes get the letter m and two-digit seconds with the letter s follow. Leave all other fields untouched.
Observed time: 1h44
